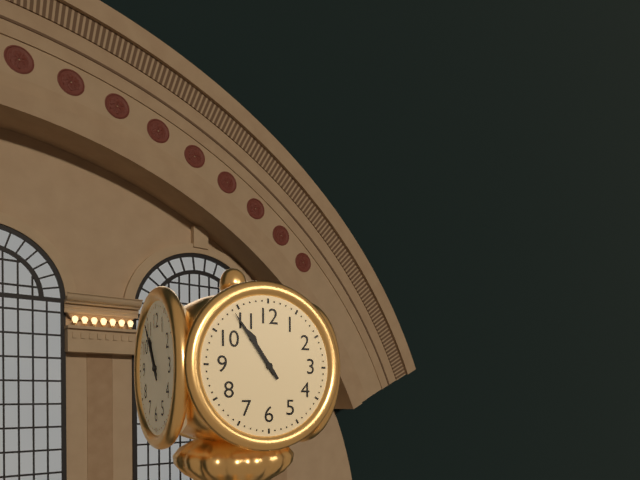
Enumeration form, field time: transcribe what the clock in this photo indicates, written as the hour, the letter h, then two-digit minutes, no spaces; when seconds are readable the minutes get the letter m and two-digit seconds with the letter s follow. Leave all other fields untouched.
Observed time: 10h54
